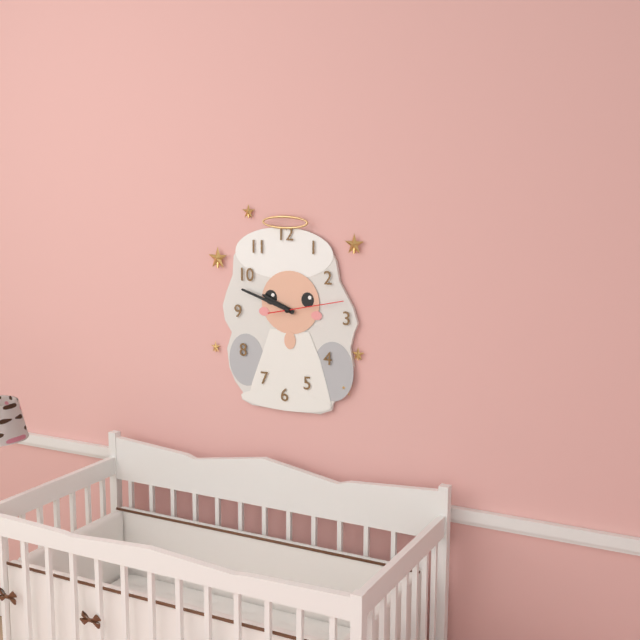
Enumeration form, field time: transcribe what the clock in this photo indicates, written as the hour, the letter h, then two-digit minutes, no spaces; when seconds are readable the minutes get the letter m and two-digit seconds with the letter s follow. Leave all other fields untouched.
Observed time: 9h48m13s
